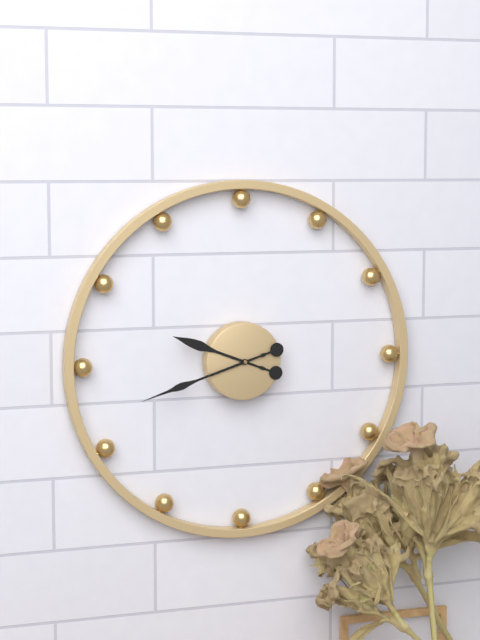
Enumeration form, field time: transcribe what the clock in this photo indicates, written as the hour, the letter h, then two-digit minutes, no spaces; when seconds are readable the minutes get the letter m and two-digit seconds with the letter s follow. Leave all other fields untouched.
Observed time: 9h42
